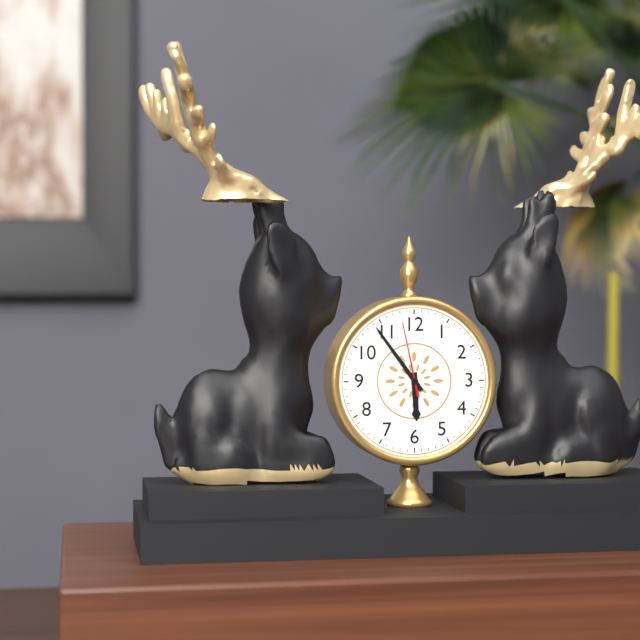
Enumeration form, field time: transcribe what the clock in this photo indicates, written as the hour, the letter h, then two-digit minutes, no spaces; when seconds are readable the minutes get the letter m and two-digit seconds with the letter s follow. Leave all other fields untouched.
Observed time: 5h54m58s
